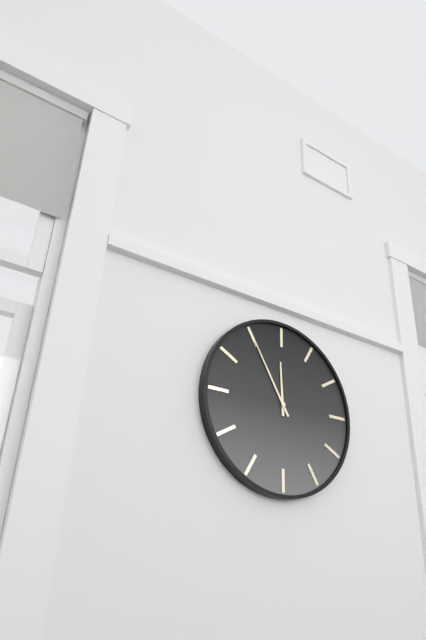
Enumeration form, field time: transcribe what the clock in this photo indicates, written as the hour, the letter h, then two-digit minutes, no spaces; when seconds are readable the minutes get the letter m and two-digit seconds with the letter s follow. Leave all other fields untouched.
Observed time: 11h55
